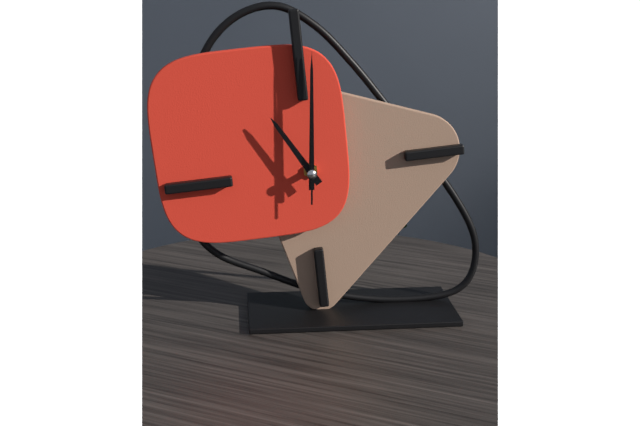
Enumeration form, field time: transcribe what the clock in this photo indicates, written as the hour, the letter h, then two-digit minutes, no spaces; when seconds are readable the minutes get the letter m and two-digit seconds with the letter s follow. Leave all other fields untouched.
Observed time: 11h01m01s
